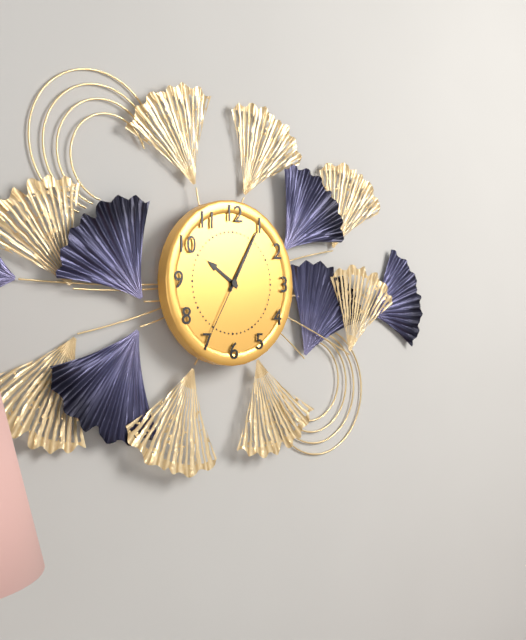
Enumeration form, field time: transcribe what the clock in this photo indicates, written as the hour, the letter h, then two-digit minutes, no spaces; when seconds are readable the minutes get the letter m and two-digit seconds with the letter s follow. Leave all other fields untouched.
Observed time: 10h05m35s
